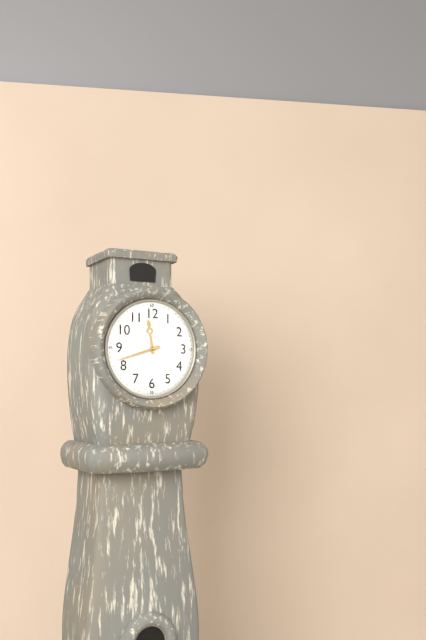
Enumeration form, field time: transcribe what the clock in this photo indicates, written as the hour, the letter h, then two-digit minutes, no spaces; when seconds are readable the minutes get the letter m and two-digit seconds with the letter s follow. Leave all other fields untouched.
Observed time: 11h42
